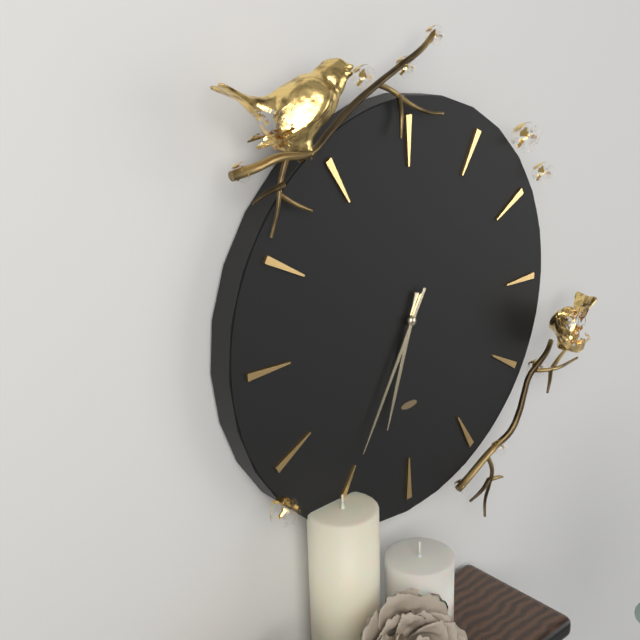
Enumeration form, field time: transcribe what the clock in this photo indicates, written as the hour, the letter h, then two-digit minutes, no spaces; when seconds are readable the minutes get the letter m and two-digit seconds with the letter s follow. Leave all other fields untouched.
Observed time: 6h35
